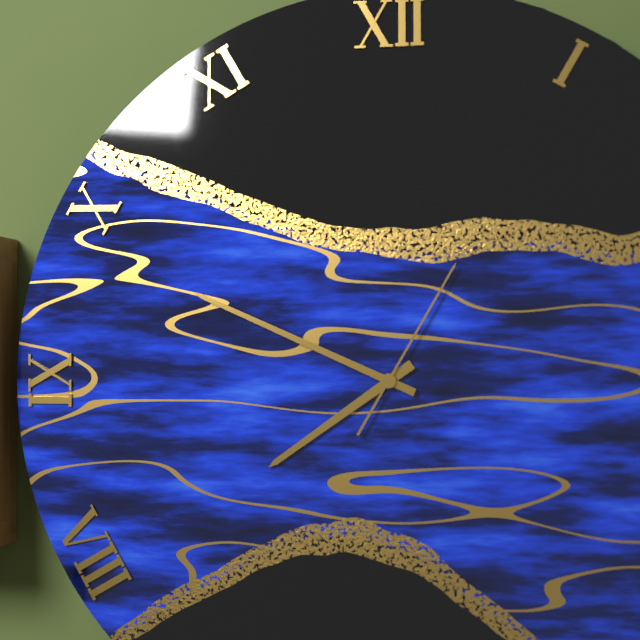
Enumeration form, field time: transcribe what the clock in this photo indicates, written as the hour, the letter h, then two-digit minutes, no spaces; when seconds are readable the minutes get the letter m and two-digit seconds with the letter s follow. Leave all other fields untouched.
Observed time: 7h49m05s
